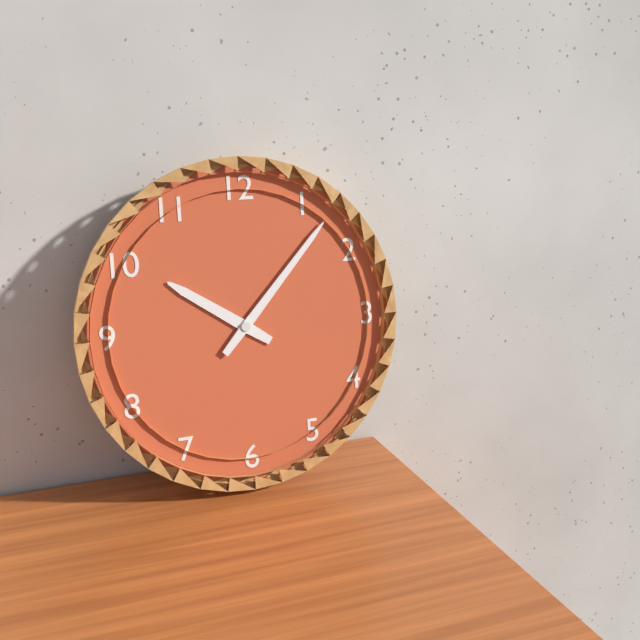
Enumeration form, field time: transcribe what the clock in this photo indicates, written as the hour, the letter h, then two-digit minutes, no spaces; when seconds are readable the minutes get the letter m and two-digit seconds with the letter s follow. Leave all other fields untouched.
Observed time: 10h07
